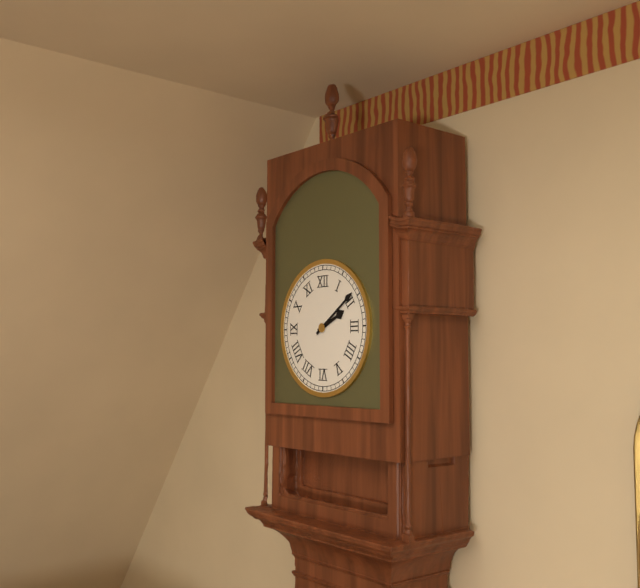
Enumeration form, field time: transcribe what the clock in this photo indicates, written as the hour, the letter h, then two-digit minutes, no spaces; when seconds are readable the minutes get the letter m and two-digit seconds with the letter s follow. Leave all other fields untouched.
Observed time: 2h09
